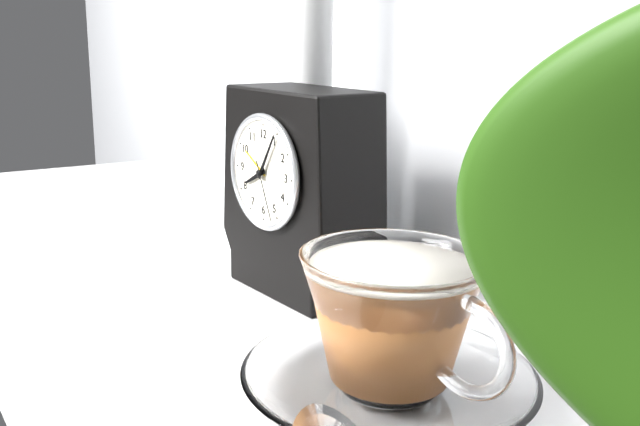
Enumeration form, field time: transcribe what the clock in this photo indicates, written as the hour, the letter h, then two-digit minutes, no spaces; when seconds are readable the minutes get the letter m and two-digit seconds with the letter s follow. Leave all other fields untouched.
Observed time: 8h05m26s
